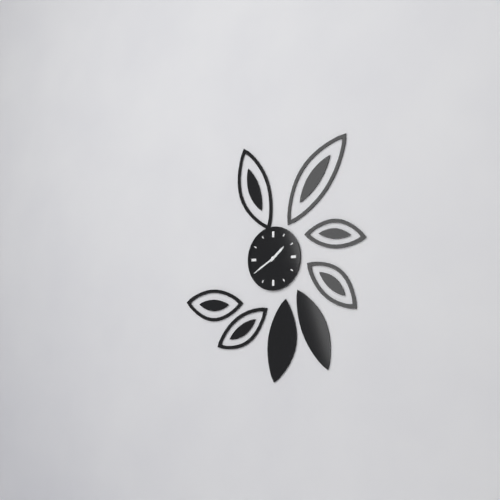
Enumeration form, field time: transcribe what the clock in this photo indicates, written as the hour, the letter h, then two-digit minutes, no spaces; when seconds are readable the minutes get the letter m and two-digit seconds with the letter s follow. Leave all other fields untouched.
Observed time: 1h40
